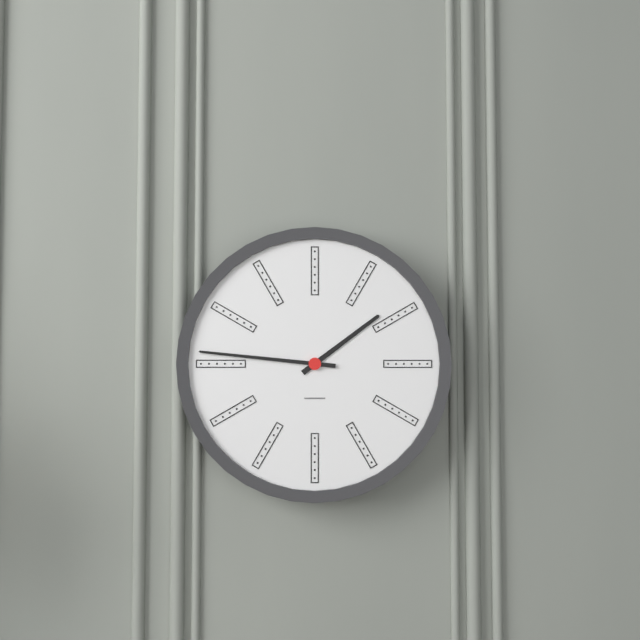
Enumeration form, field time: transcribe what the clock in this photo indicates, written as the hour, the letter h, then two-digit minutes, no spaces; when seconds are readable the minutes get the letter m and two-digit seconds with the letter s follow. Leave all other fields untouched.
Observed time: 1h46
